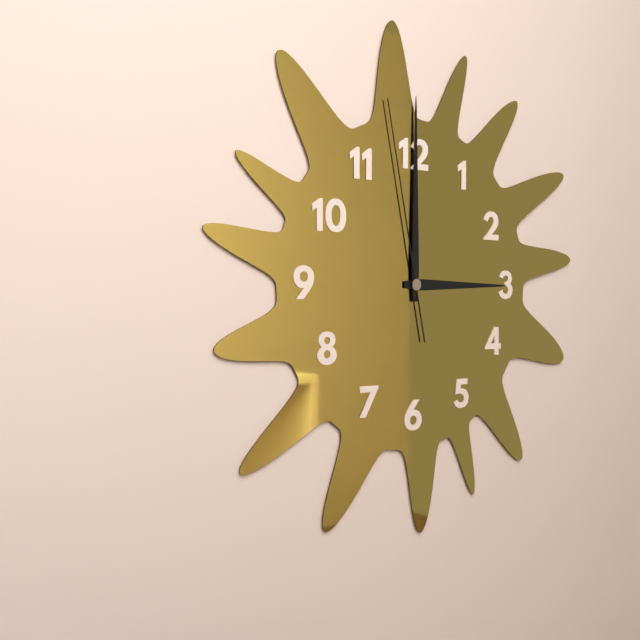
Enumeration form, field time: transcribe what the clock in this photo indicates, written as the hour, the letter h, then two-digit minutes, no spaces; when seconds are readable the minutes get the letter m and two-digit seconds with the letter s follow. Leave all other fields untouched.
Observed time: 3h00m58s
